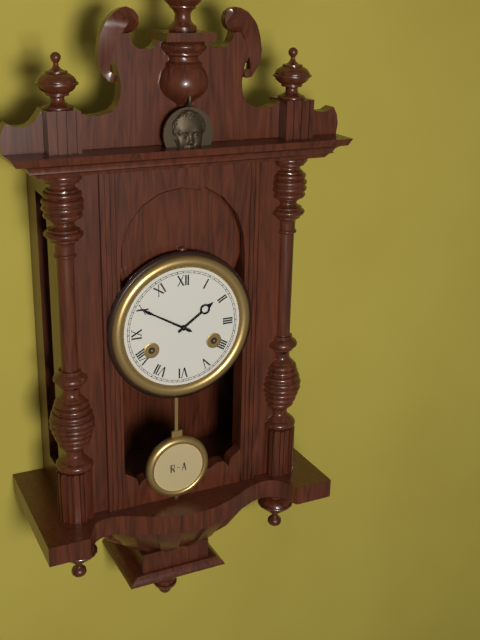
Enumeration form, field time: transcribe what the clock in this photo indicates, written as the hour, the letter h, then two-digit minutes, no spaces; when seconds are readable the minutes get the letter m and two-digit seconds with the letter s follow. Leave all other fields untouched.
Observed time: 1h50
